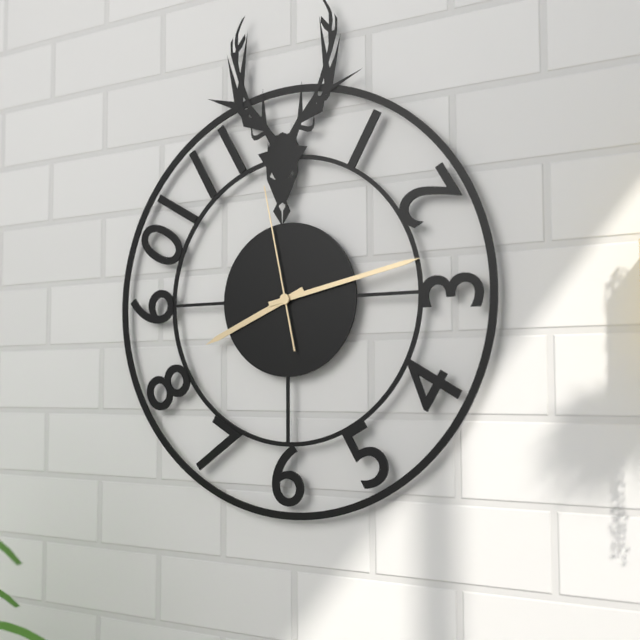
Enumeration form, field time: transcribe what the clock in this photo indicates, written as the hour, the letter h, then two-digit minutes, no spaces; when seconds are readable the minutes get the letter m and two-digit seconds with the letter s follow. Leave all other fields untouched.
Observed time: 8h13m58s
